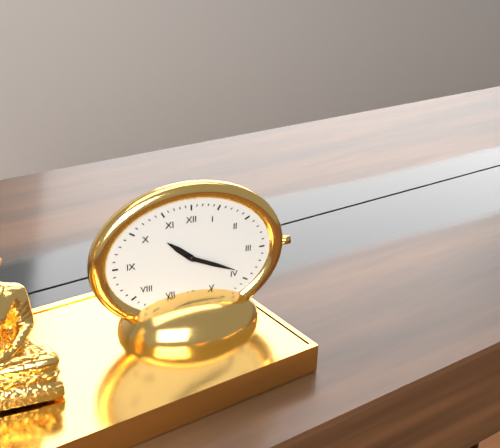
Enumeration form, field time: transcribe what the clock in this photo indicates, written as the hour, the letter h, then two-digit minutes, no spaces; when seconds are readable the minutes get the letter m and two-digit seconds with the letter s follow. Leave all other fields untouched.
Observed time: 10h19
